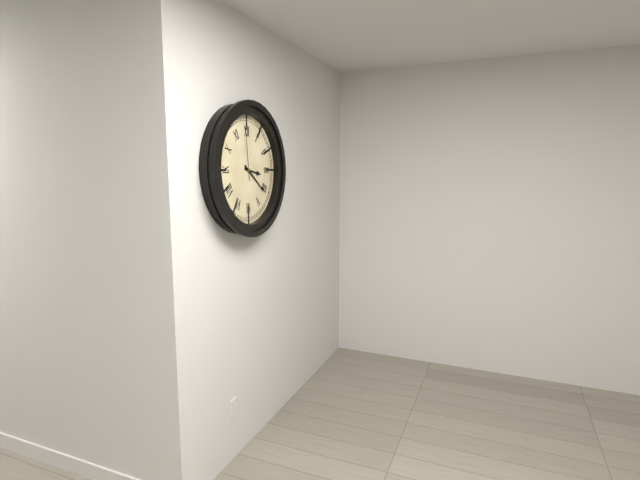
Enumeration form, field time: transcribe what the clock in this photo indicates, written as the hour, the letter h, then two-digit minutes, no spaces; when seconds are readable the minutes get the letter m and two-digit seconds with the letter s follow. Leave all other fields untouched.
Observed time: 3h21m59s
